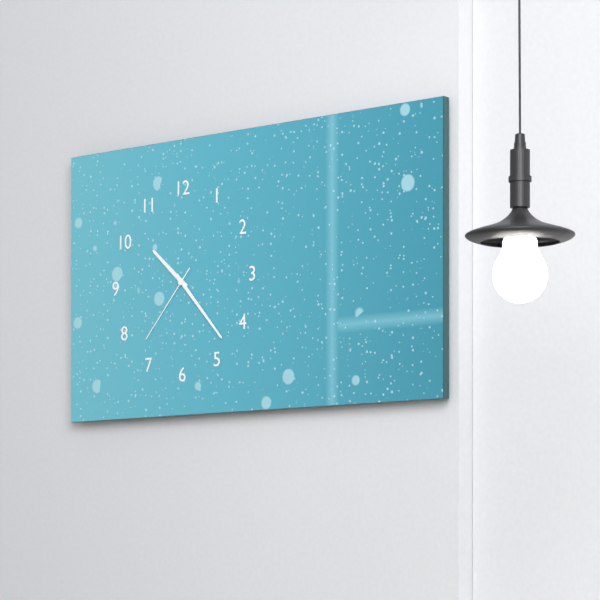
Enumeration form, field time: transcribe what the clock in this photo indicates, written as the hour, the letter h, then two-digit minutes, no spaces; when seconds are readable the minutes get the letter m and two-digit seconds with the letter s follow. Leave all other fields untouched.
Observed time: 10h23m37s
